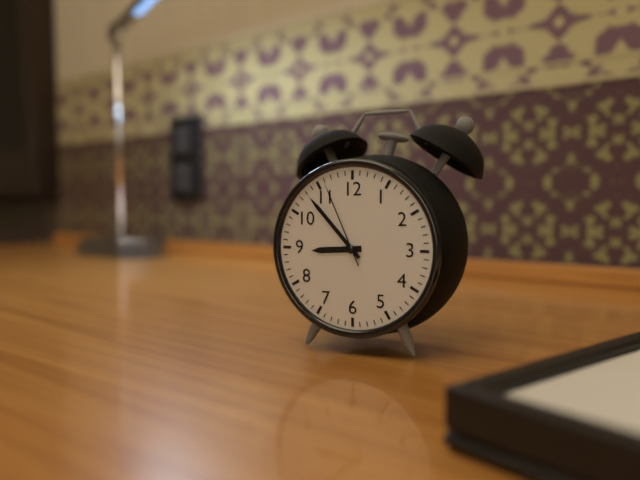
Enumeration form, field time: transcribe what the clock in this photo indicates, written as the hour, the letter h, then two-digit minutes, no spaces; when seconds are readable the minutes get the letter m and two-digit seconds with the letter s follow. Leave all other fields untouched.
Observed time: 8h53m56s
